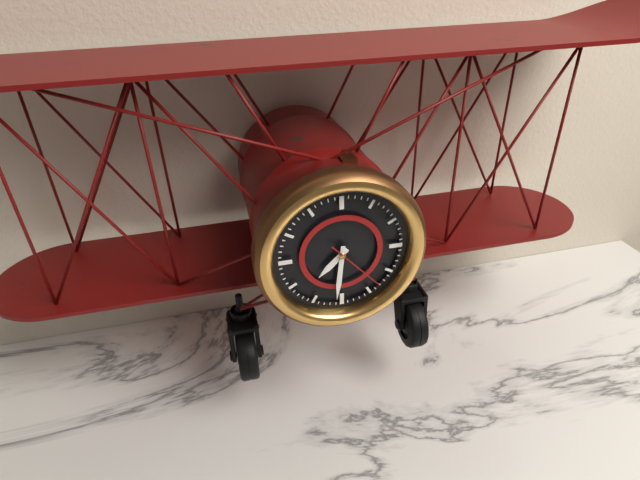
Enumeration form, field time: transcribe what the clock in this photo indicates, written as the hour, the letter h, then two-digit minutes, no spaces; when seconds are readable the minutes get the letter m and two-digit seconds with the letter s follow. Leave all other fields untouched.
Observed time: 7h31m23s
